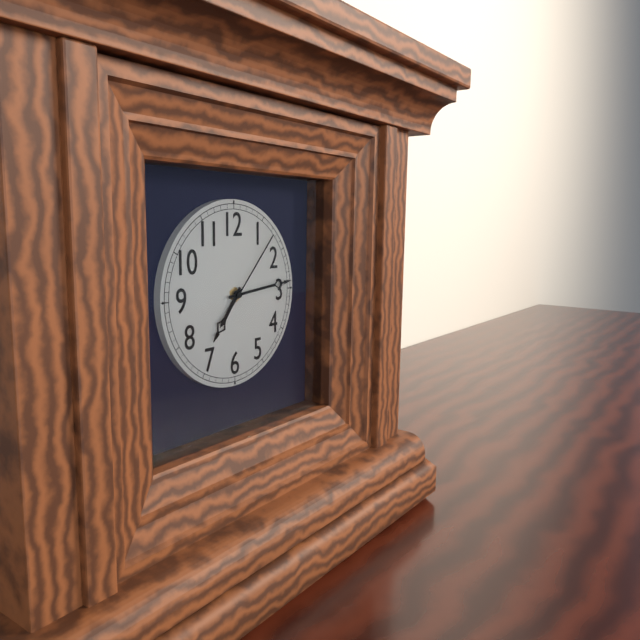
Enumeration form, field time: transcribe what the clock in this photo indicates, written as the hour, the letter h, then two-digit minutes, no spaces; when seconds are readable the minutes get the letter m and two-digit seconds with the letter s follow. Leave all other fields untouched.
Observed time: 7h14m07s
